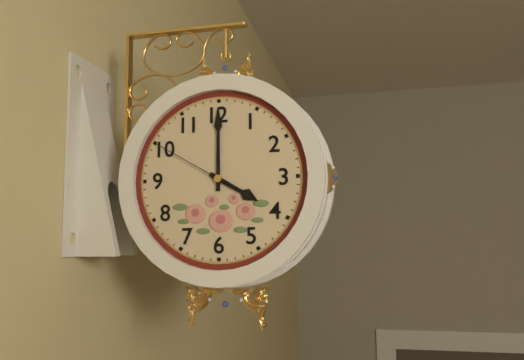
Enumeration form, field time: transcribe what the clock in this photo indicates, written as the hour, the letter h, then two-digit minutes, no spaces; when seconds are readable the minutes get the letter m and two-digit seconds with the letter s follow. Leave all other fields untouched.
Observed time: 4h00m50s
